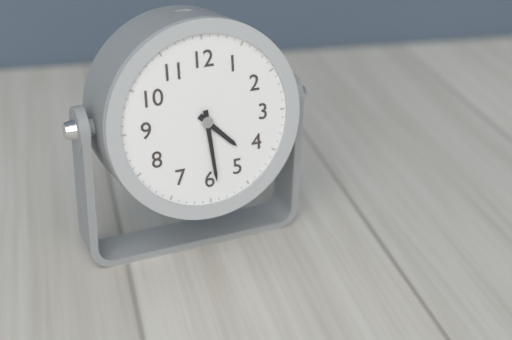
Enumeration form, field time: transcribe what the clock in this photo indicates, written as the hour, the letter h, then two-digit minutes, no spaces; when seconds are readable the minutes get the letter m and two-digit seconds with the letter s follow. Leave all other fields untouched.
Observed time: 4h29
